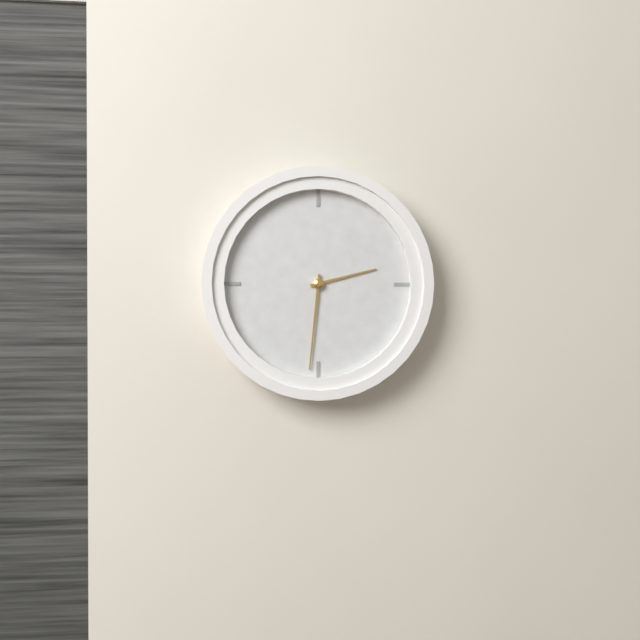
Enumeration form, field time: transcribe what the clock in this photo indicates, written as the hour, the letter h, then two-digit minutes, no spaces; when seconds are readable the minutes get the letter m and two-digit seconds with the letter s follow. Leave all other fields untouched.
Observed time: 2h31
